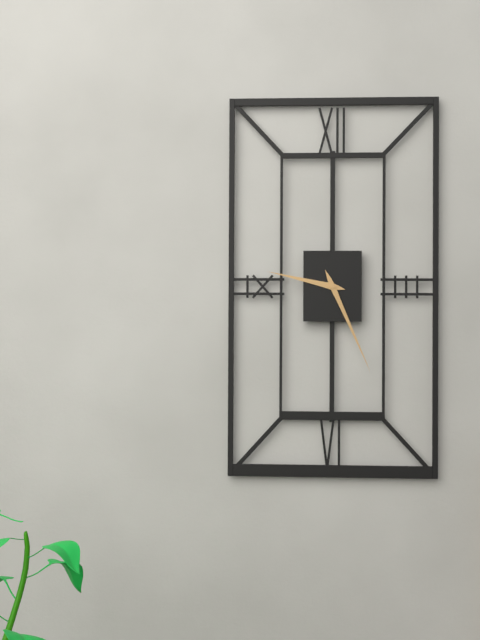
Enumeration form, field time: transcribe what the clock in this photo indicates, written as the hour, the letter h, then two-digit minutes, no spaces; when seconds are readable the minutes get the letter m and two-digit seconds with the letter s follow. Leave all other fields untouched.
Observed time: 9h26
